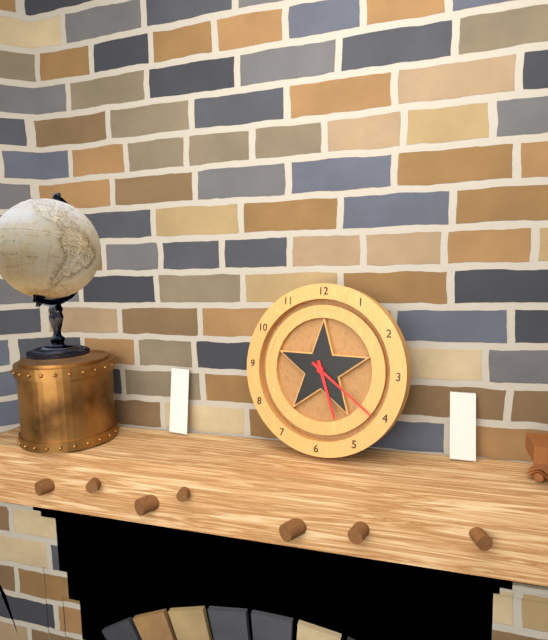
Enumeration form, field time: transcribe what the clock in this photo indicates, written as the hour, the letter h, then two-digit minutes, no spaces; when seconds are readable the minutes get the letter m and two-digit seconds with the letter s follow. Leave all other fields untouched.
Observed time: 5h21
